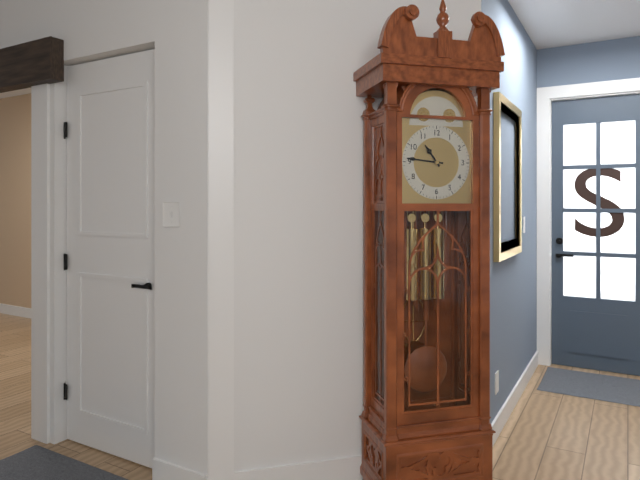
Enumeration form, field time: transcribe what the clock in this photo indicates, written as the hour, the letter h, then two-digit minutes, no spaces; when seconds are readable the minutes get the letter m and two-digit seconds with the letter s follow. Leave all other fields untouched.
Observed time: 10h46
